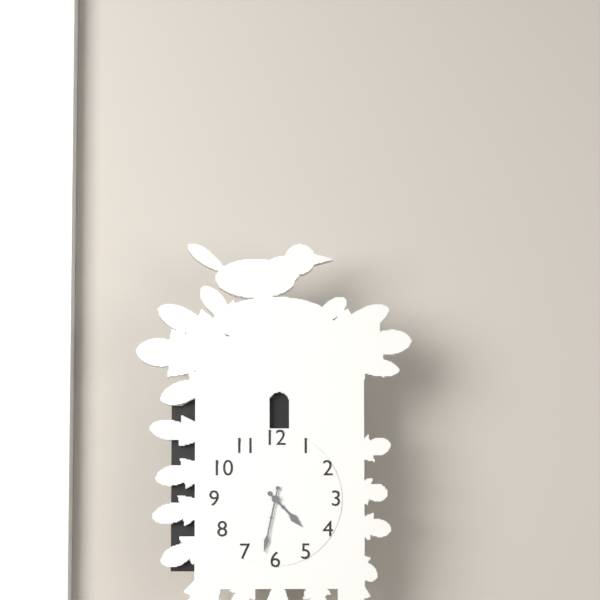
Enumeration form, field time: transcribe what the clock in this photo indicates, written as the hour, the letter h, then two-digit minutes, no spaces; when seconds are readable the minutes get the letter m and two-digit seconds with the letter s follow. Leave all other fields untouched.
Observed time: 4h32
